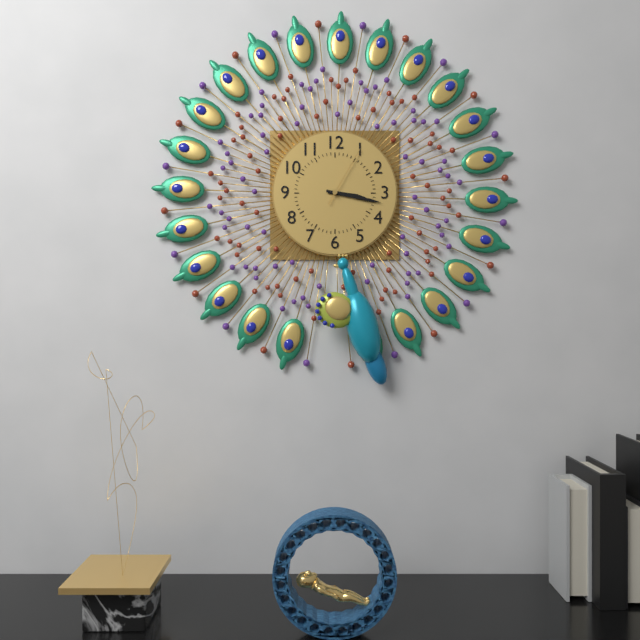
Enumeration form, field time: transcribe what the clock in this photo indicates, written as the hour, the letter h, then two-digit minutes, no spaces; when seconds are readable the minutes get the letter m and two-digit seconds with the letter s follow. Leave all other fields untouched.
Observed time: 3h17m05s
